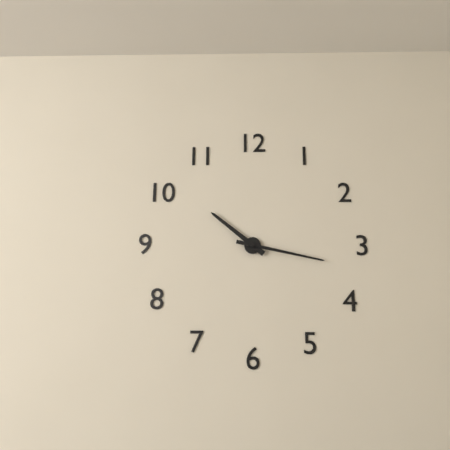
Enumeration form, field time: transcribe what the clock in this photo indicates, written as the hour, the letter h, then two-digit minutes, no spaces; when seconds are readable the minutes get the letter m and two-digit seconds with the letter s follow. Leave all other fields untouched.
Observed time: 10h17
